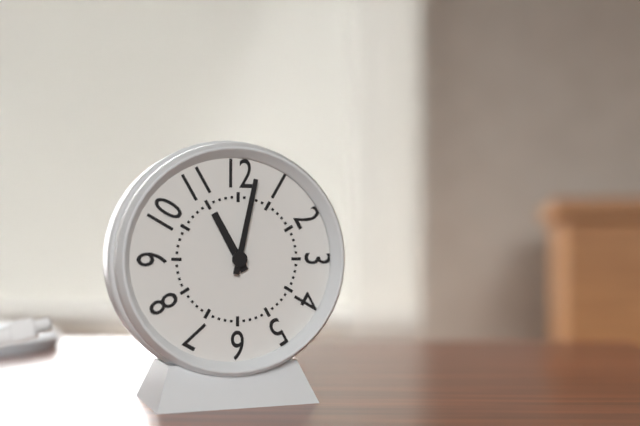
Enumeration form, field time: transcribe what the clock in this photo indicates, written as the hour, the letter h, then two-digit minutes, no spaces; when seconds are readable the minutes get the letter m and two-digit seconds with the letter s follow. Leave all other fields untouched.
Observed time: 11h02
